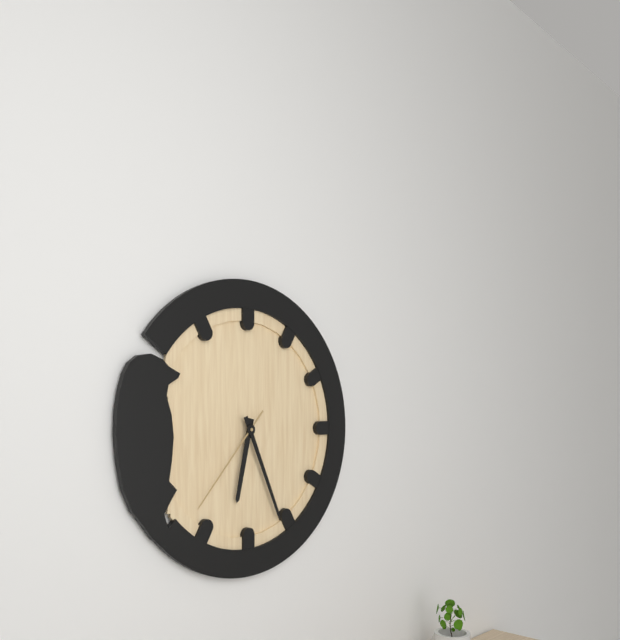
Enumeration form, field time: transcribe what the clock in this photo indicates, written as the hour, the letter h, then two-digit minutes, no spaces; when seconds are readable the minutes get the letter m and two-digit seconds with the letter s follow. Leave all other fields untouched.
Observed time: 6h26m37s
